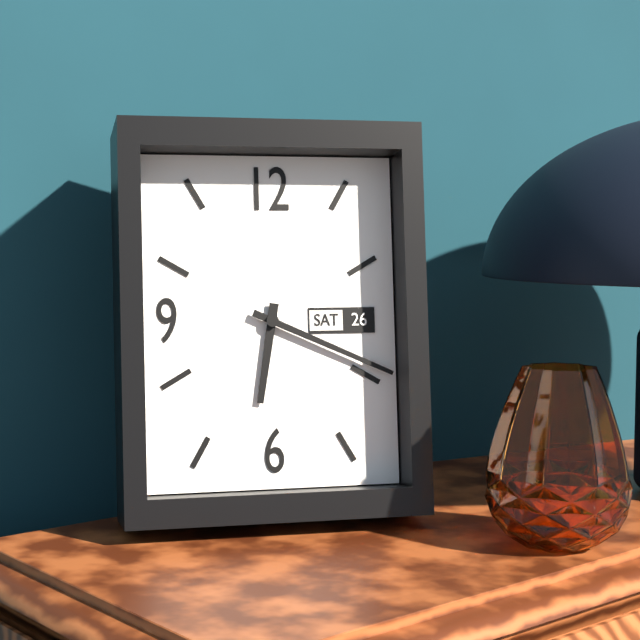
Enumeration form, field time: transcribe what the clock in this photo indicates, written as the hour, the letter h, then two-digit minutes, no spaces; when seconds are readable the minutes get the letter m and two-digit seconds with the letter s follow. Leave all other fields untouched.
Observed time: 6h19
